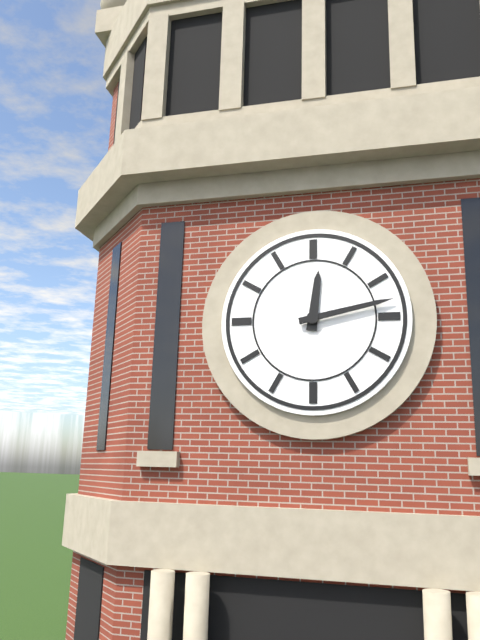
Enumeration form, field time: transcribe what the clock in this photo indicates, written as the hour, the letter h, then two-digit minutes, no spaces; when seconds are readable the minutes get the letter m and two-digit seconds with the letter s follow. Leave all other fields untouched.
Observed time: 12h13
